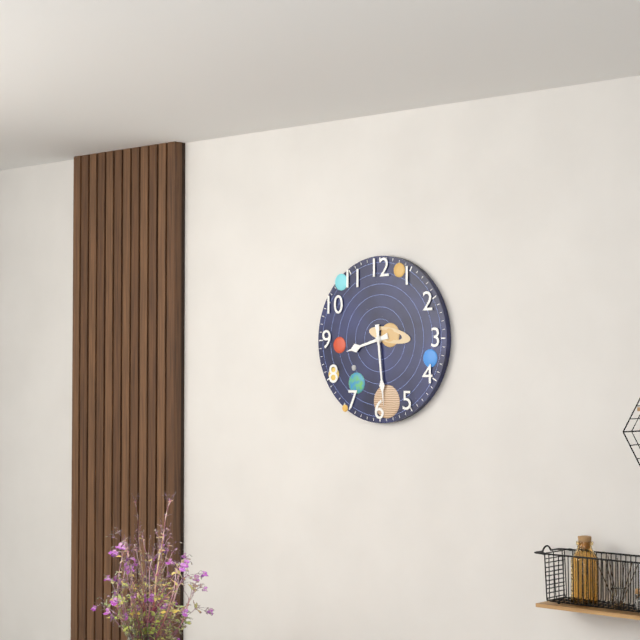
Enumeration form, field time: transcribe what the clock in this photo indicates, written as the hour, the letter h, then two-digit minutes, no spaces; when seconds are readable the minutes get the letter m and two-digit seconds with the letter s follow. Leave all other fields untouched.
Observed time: 8h29
